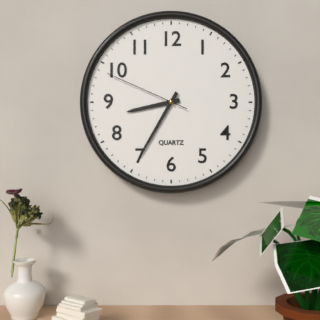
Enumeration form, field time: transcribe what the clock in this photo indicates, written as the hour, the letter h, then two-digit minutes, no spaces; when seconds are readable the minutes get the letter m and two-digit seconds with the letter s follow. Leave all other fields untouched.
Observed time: 8h35m49s
